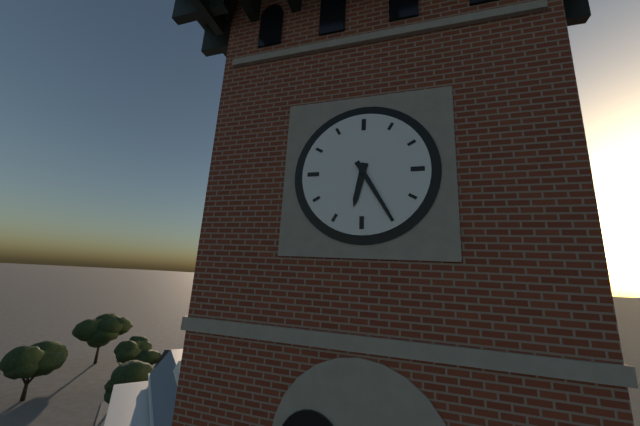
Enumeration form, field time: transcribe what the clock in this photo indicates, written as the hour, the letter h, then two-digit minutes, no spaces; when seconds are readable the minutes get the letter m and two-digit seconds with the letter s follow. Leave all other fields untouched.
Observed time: 6h25
